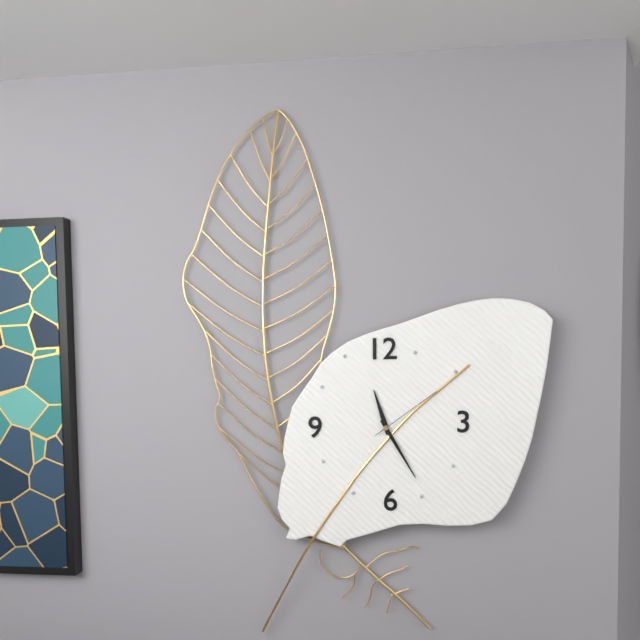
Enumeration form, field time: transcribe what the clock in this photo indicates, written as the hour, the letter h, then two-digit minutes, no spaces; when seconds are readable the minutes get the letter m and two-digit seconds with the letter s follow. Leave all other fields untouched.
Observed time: 11h25m09s
